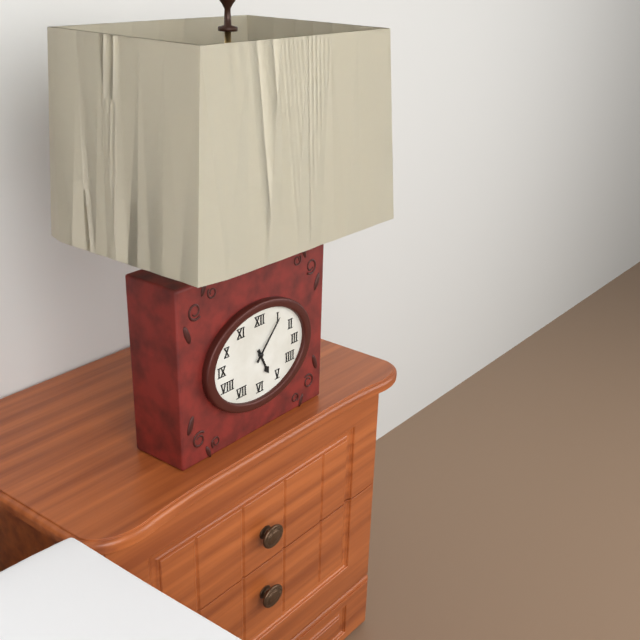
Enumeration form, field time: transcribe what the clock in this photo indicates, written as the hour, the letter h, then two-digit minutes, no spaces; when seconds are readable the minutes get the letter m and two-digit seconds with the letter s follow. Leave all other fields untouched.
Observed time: 5h07
